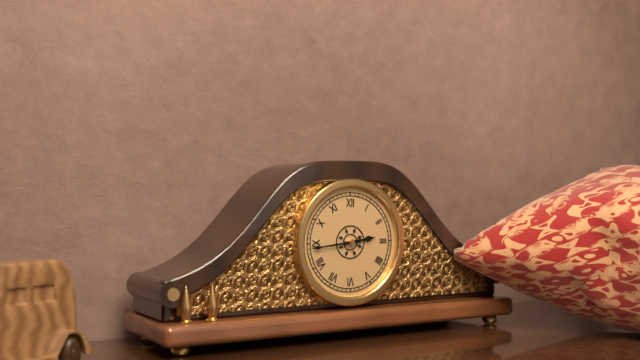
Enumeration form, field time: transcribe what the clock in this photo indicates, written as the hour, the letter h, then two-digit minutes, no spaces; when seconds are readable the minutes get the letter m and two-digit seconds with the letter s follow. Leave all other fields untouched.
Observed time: 2h44
